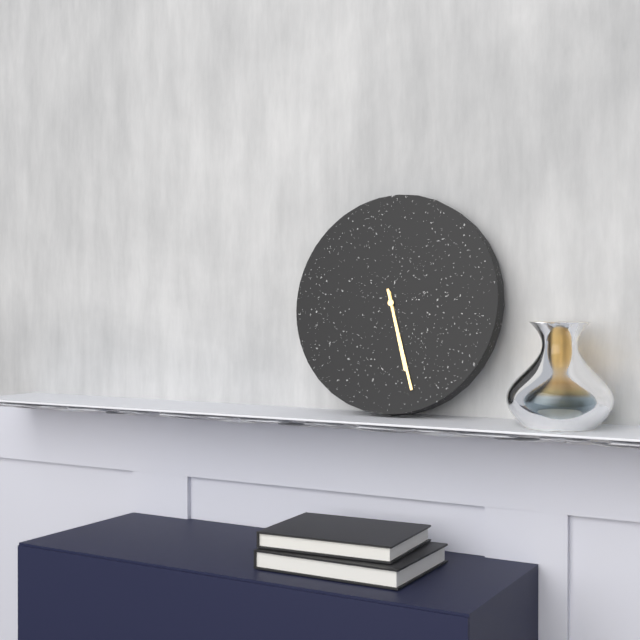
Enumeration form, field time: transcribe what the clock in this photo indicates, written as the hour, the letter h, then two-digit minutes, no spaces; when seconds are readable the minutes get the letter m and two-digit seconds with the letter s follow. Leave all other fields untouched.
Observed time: 5h27
